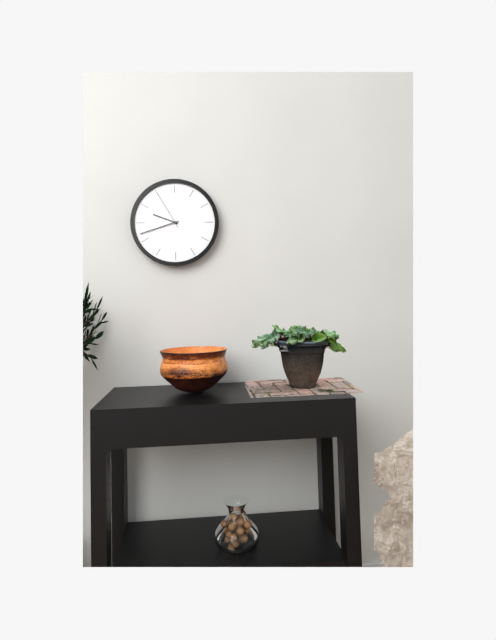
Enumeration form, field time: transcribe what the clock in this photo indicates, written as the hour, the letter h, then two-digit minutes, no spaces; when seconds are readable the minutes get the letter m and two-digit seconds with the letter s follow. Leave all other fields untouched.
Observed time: 9h42
